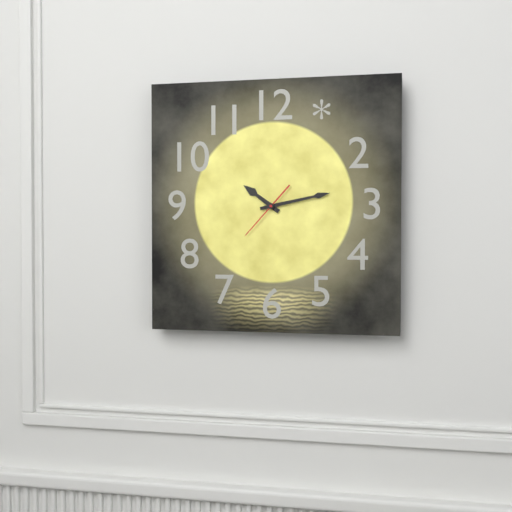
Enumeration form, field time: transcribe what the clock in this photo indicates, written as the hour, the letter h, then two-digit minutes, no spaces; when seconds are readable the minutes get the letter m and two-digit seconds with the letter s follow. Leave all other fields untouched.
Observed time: 10h13
